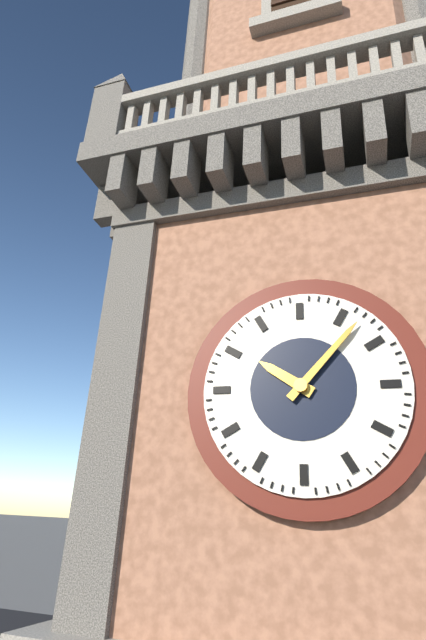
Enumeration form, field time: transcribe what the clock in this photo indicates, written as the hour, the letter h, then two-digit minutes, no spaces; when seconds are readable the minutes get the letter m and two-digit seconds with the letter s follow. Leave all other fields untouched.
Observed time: 10h07
